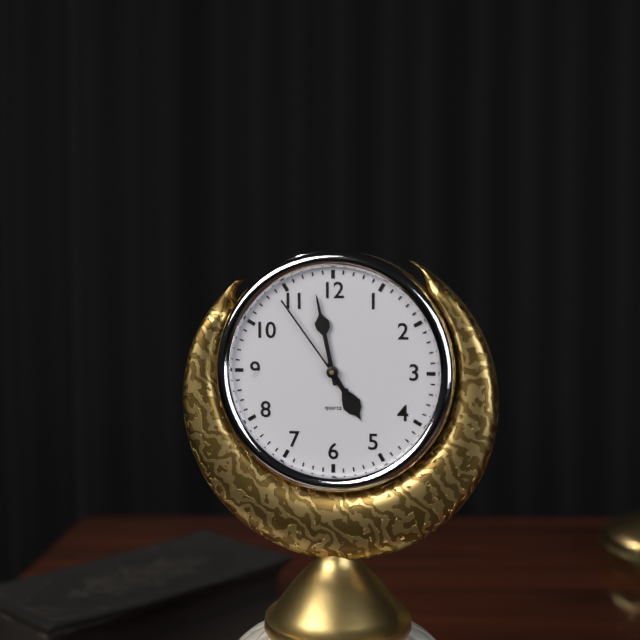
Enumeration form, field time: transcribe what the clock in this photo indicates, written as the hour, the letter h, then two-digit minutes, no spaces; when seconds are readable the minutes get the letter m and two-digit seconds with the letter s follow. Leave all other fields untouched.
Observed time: 4h58m54s
